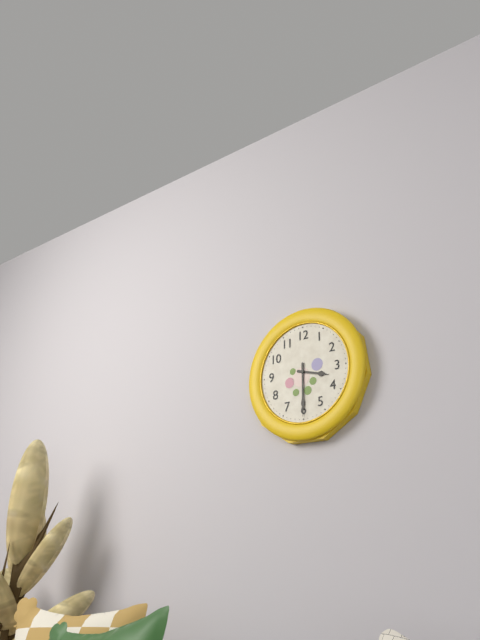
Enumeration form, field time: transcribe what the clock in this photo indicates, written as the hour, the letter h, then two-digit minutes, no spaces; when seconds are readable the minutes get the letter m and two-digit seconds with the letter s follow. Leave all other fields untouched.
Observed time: 3h30
